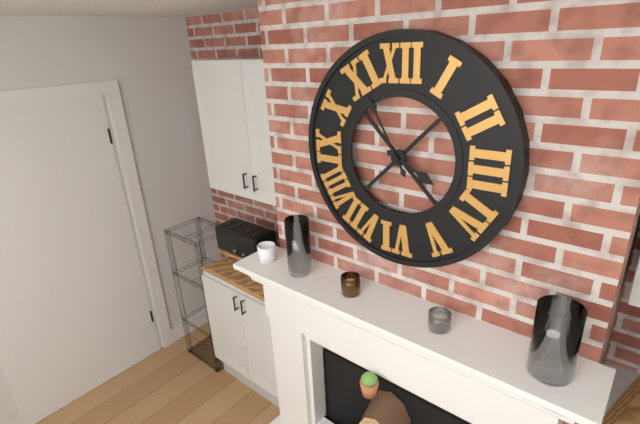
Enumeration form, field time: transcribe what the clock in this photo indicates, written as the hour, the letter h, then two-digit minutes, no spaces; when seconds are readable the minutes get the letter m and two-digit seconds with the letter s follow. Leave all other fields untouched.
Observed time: 3h55
